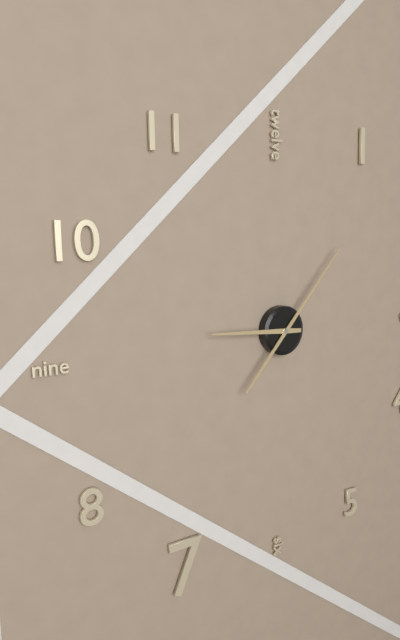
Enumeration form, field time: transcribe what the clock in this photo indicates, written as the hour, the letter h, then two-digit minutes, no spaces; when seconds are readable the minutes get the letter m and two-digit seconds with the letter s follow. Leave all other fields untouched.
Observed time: 9h07
